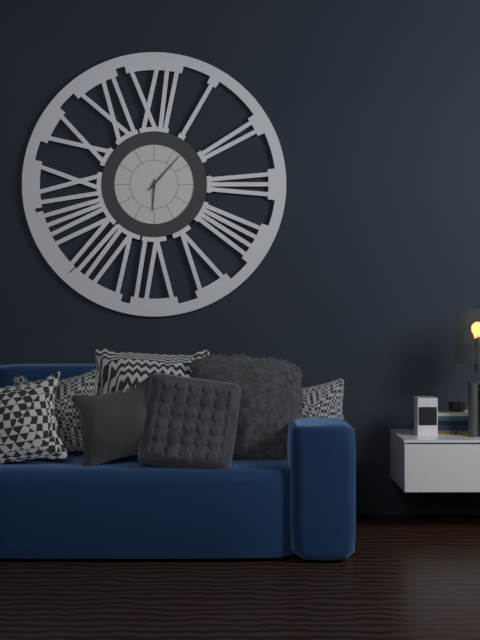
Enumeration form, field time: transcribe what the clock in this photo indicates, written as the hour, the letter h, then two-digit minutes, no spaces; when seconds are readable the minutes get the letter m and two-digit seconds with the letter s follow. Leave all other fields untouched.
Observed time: 6h07
